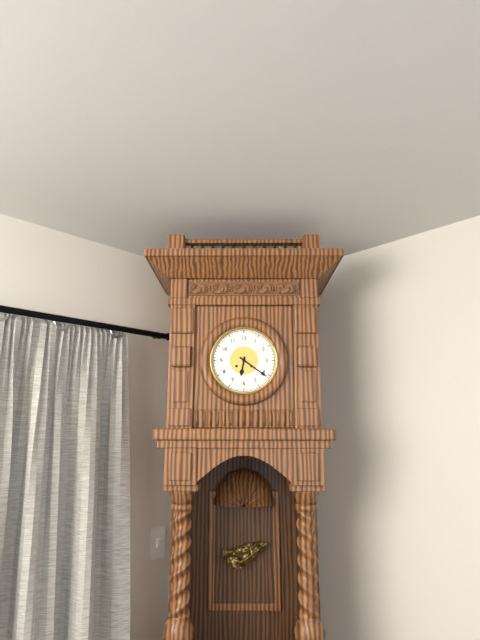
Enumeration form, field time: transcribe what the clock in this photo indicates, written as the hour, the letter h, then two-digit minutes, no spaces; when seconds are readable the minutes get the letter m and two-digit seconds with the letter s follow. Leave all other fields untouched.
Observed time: 6h21
